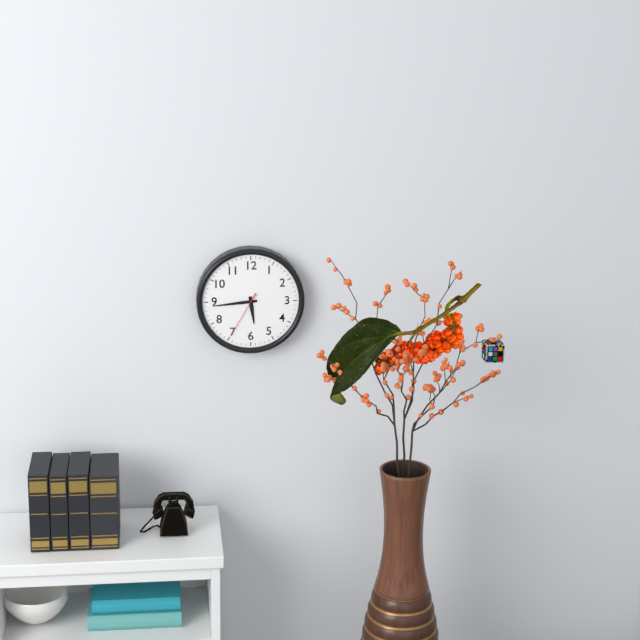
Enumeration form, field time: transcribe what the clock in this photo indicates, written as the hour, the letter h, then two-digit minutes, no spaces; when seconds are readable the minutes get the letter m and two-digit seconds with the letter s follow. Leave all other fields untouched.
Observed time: 5h44
